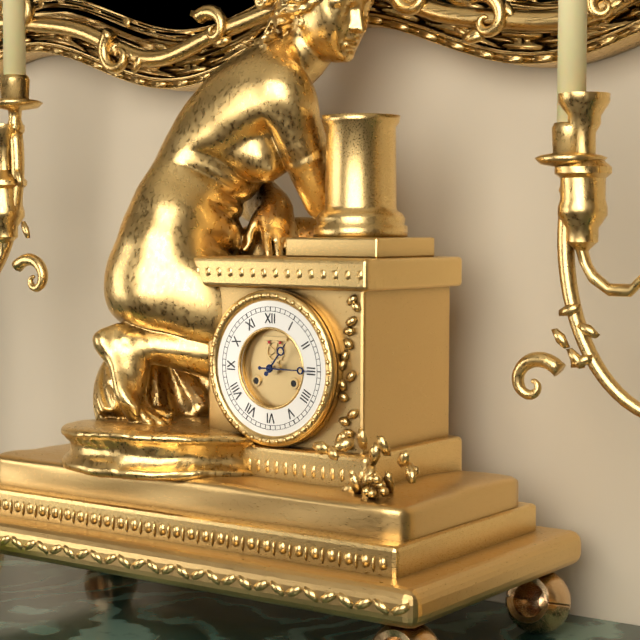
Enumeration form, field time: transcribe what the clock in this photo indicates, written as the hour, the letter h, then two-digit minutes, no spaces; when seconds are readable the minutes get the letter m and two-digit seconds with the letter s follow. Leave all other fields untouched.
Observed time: 1h15
